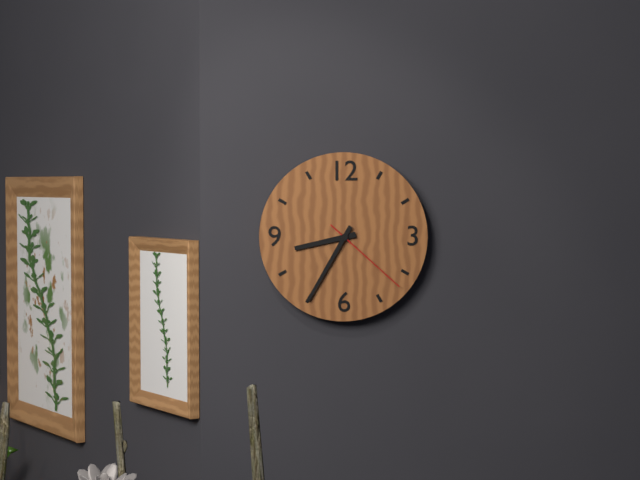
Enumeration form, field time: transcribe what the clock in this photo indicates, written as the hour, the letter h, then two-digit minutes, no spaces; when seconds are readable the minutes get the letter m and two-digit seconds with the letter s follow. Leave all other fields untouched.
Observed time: 8h35m22s
